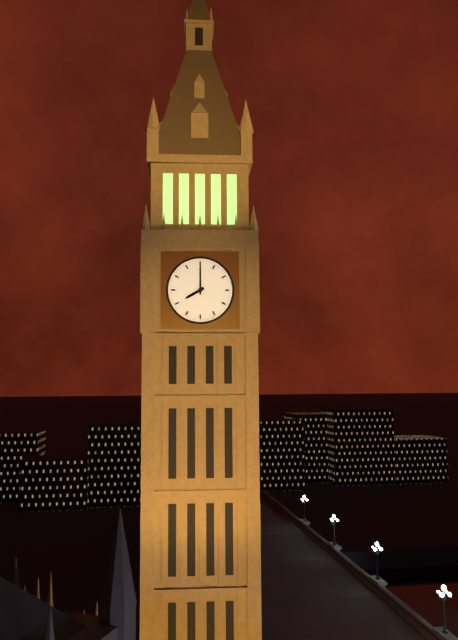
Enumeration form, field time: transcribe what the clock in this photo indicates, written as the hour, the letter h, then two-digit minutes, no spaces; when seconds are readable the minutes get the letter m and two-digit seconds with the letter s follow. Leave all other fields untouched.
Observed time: 8h00
